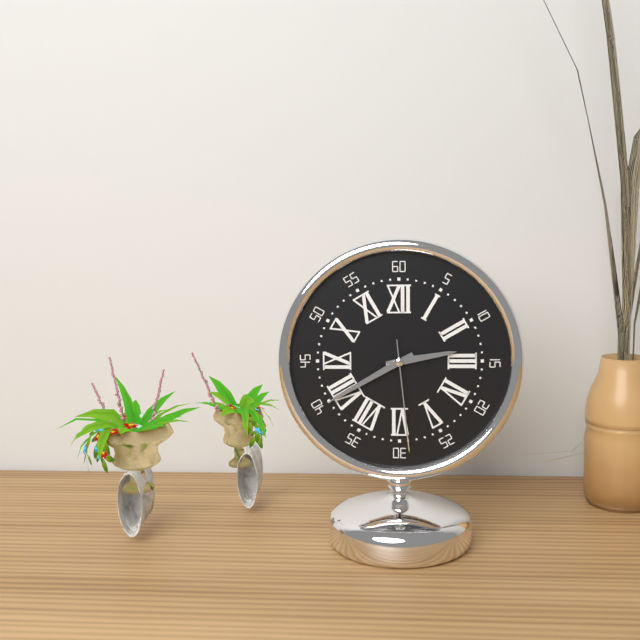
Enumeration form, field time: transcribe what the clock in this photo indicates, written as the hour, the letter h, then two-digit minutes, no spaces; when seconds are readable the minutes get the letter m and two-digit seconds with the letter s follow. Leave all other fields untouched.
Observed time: 2h40m29s
